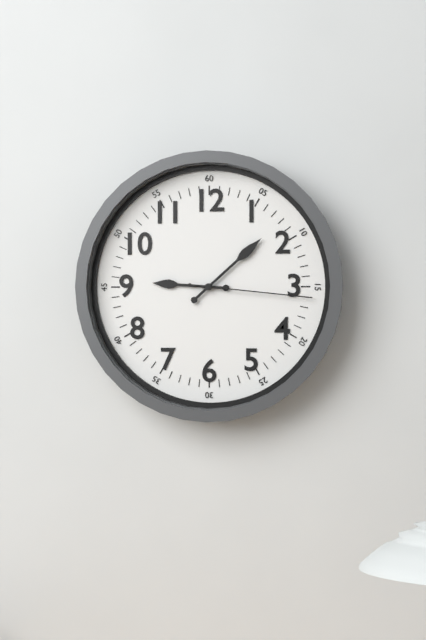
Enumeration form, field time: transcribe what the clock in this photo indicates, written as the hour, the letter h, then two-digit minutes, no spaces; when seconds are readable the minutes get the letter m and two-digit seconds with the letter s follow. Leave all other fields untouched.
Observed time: 9h08m16s
